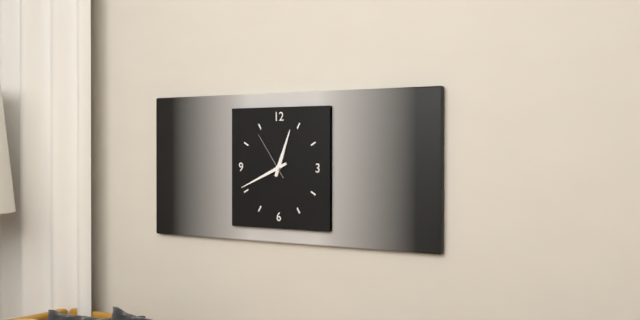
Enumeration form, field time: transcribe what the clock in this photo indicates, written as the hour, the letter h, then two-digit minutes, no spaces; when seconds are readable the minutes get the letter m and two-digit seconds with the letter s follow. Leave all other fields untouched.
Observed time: 12h41
